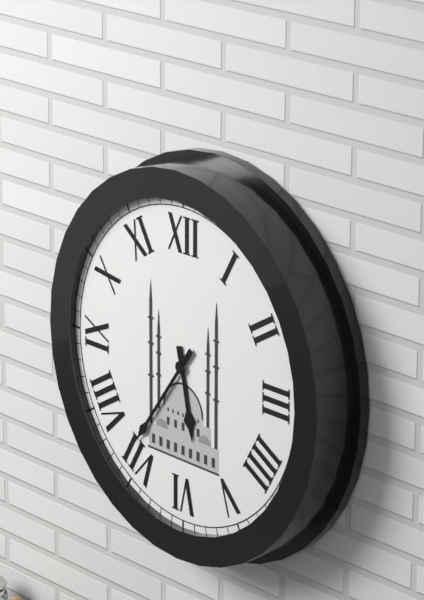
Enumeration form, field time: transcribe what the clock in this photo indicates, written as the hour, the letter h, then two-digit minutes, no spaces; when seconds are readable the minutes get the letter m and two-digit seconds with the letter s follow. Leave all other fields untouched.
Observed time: 5h36
